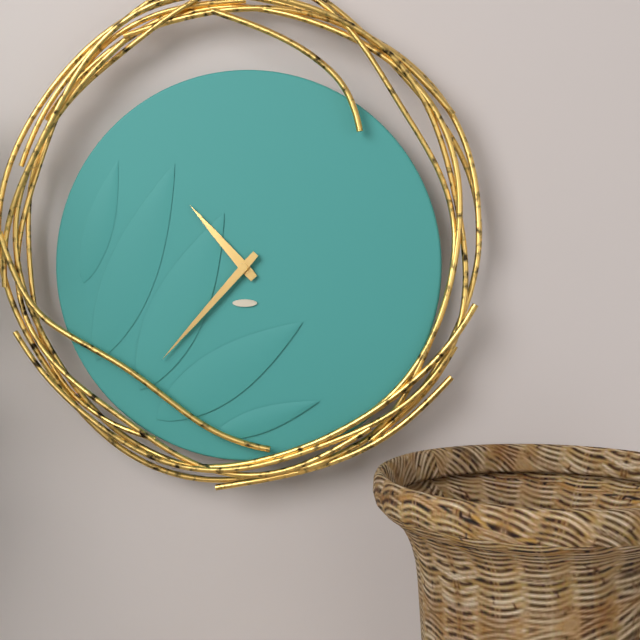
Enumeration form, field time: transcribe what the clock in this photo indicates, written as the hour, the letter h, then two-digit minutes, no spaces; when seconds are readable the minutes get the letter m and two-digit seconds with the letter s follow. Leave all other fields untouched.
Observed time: 10h37
